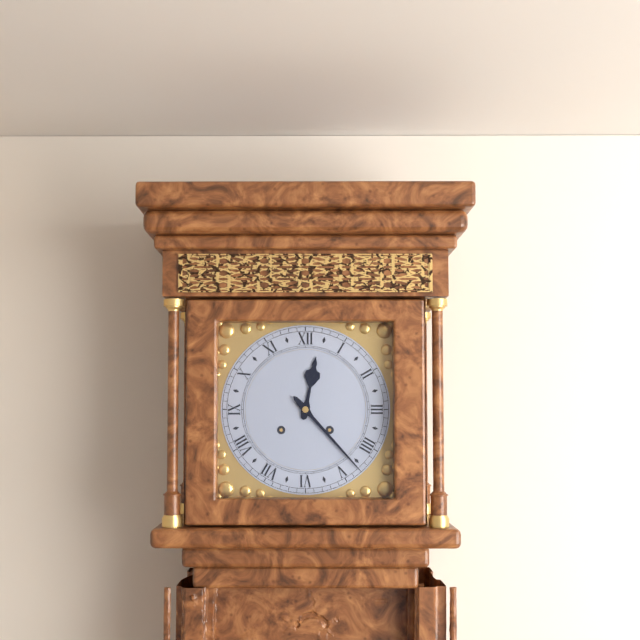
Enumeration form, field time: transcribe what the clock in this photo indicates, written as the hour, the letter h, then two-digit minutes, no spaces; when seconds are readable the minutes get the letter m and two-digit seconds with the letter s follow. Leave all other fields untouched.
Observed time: 12h23
